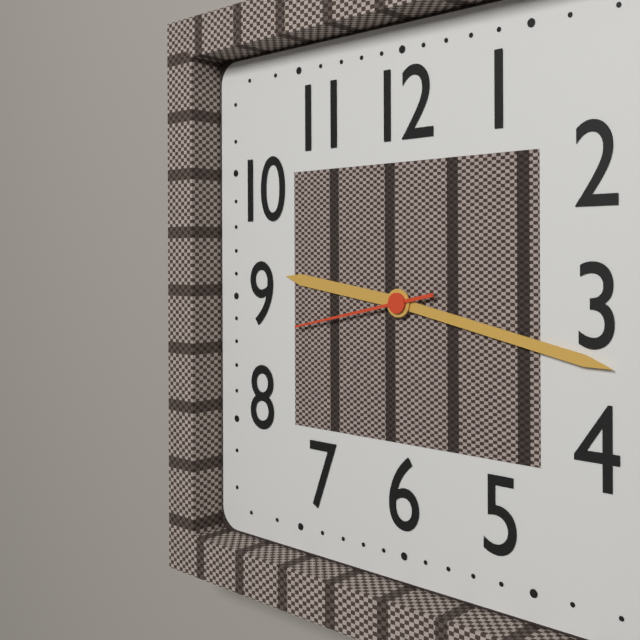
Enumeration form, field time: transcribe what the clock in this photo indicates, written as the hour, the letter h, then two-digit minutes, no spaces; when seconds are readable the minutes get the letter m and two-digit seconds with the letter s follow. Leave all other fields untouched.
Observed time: 9h17m43s
